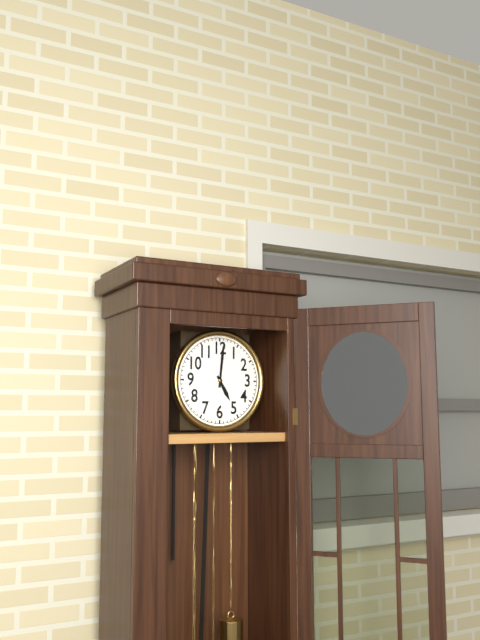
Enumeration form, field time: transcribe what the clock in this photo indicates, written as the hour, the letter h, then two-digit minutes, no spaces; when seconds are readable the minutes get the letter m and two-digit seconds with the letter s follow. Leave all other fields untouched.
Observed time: 5h01
